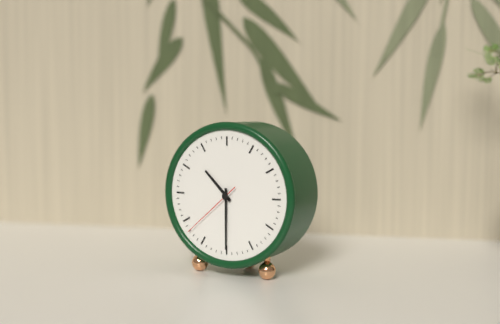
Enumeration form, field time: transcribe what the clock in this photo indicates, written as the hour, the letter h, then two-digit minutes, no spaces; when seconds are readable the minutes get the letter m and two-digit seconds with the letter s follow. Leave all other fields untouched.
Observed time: 10h30m38s
